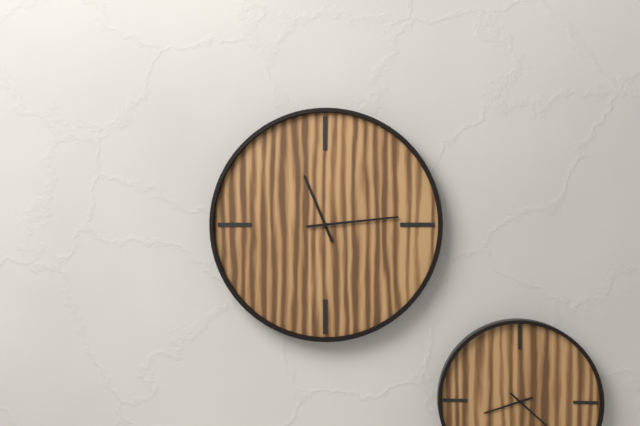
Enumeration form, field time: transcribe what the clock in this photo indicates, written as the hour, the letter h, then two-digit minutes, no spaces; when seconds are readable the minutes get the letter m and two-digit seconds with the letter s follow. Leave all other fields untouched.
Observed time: 11h14
